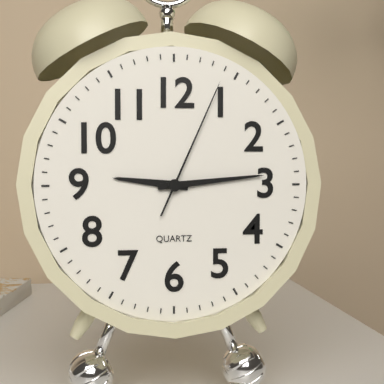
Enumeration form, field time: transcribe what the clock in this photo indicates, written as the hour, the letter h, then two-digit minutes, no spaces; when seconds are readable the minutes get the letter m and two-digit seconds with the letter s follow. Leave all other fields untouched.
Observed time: 9h14m04s
